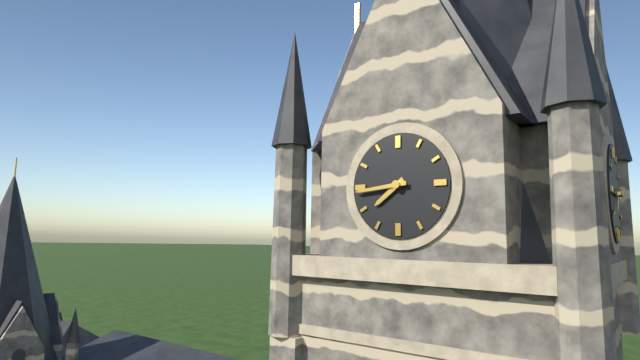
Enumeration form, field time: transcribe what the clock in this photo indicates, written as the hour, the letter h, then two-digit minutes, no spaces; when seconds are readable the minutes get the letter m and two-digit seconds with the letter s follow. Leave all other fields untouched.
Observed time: 7h44
